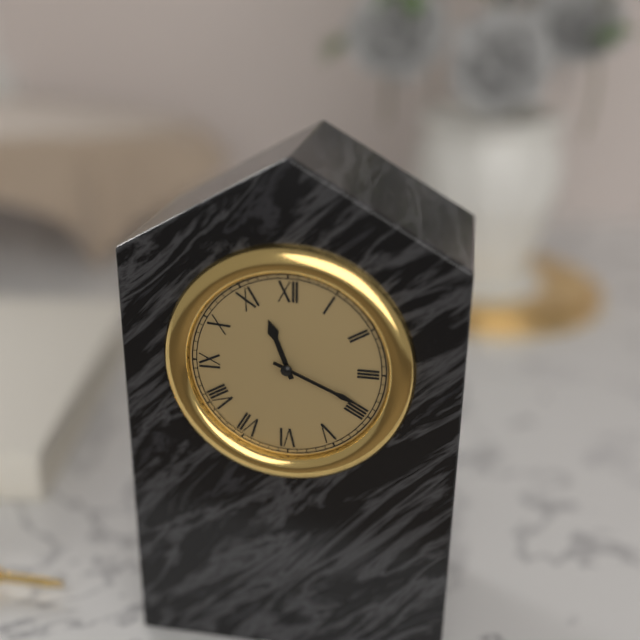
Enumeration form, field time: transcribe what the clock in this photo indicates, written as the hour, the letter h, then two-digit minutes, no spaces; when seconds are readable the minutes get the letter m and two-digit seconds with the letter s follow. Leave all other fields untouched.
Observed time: 11h19
